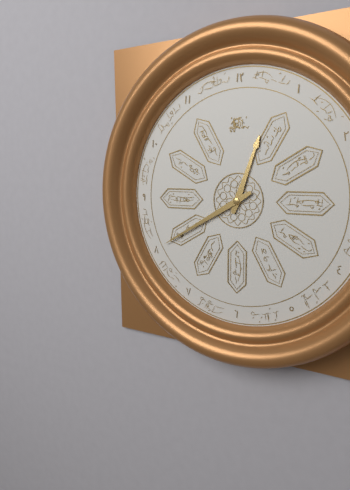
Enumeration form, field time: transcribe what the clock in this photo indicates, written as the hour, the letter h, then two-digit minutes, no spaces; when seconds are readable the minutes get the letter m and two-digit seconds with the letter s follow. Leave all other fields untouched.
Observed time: 12h40
